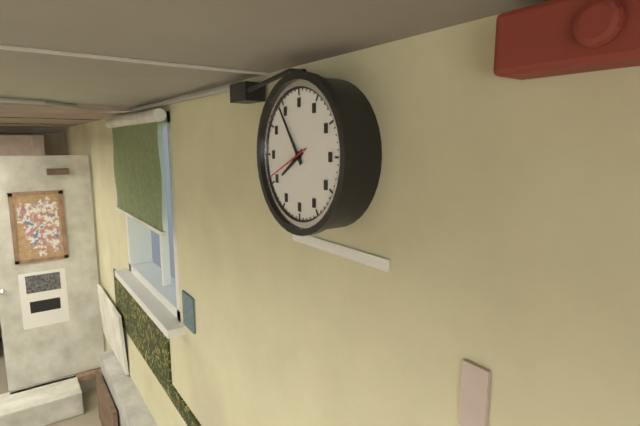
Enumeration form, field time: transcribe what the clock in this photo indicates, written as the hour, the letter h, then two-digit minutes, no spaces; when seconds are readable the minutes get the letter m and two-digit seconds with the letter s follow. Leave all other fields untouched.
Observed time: 7h54
